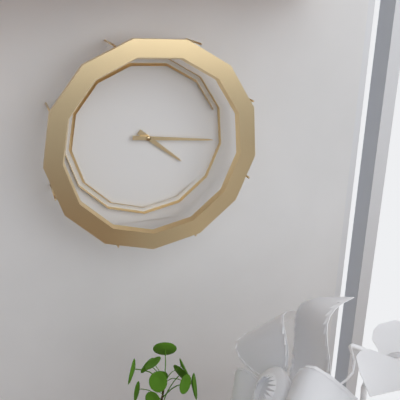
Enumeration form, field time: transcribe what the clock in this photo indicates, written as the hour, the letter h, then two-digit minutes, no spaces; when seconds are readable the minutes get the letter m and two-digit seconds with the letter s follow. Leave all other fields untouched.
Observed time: 4h16
